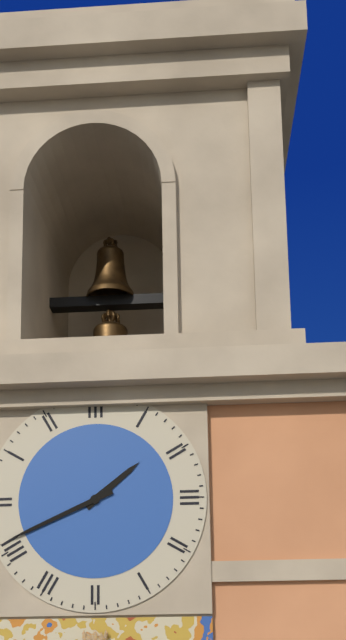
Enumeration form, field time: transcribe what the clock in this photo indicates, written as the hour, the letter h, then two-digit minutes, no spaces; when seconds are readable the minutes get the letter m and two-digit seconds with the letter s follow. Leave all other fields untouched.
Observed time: 1h41
